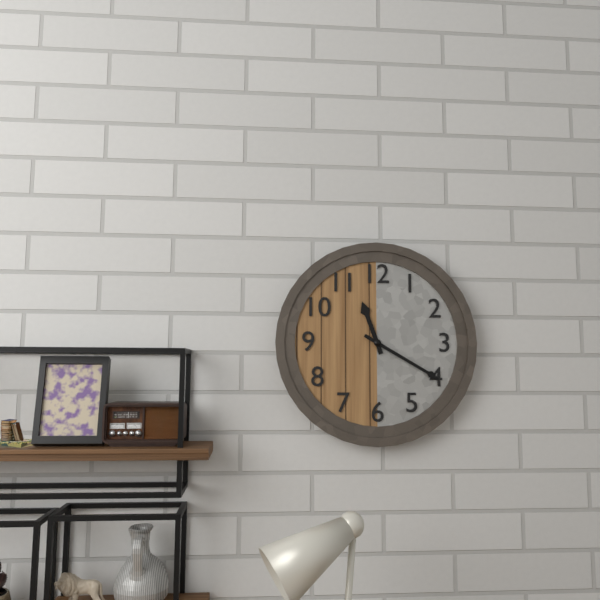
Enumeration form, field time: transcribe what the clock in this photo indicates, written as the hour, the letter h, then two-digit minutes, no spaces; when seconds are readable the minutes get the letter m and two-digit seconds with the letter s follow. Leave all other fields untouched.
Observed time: 11h20
